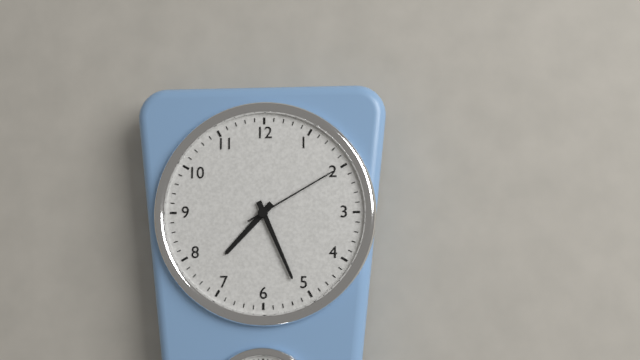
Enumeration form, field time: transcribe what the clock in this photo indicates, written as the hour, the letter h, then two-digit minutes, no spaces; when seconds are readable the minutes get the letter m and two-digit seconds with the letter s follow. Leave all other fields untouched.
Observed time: 7h26m10s
